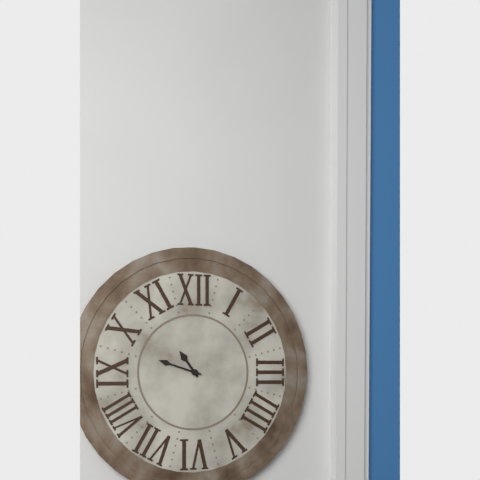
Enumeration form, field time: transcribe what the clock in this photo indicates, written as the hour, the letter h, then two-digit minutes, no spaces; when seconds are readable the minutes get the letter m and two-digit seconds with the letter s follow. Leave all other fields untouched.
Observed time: 10h48
